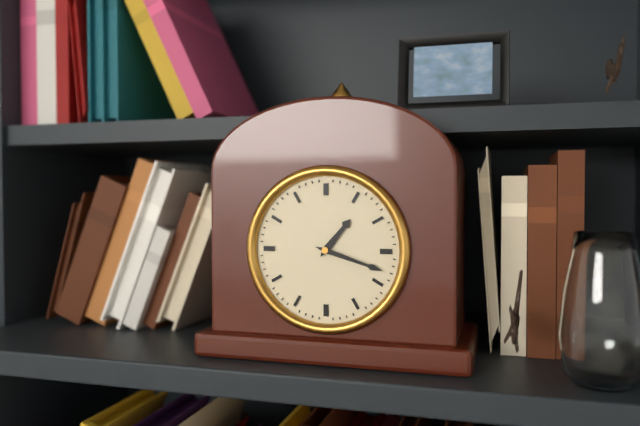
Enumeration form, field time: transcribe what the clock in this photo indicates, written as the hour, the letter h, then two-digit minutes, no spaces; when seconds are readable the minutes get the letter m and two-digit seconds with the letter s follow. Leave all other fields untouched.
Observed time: 1h18
